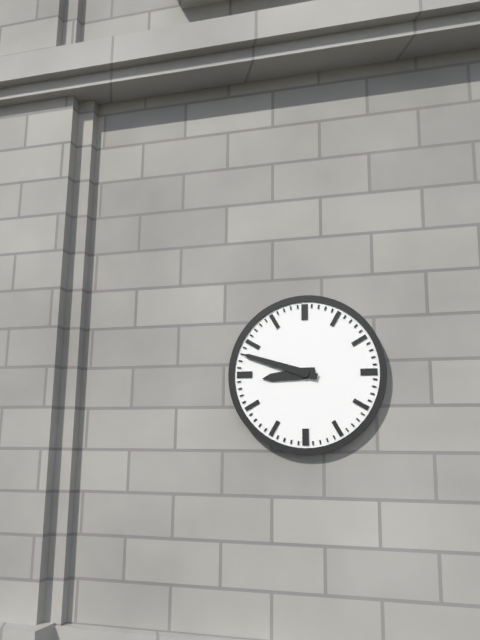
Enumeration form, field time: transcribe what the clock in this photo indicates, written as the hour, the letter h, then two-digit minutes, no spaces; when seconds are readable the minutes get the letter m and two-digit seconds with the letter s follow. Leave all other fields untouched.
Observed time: 8h48
